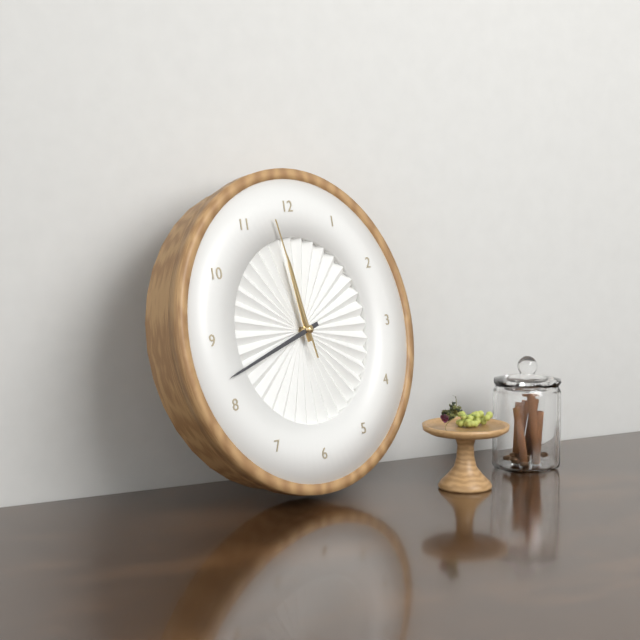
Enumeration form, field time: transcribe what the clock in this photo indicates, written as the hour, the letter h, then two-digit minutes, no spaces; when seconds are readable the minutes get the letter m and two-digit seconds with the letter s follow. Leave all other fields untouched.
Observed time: 11h42m58s
